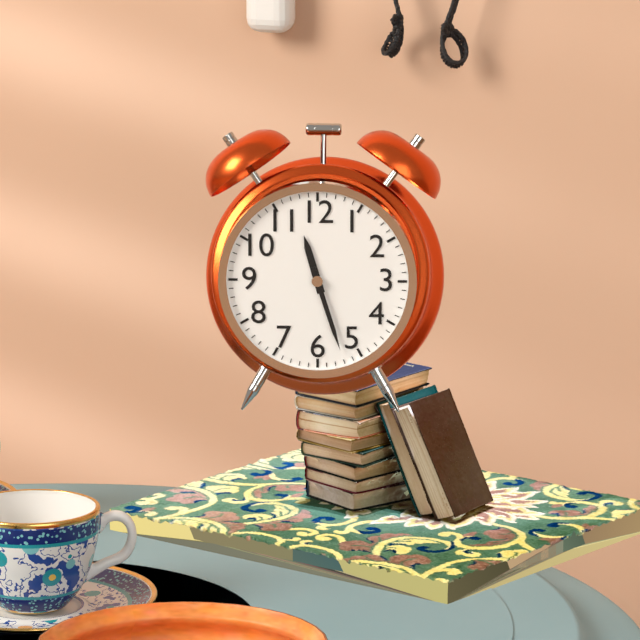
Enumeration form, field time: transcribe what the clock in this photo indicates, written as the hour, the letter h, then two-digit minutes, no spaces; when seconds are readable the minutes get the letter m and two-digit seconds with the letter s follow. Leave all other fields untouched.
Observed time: 11h27
